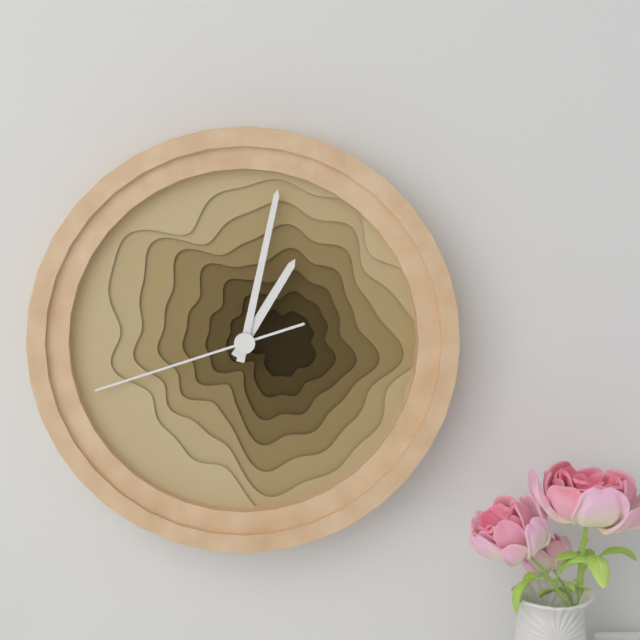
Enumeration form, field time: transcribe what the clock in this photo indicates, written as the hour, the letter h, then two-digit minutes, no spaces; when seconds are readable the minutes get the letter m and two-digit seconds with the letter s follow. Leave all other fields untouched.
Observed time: 1h02m42s
